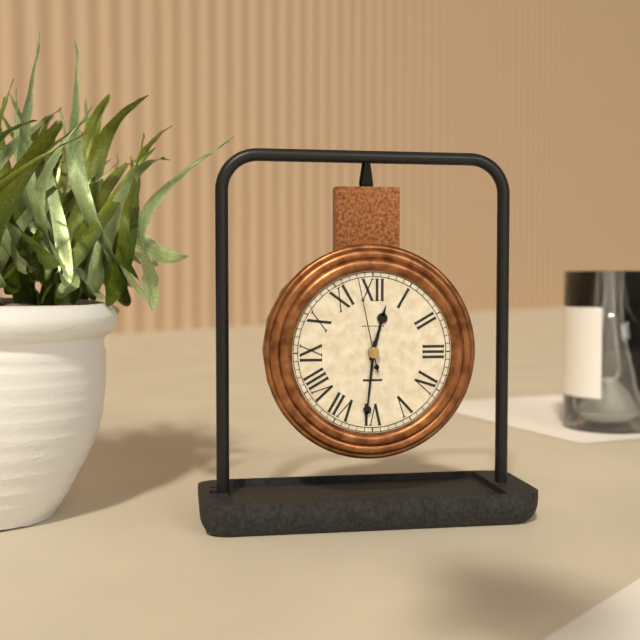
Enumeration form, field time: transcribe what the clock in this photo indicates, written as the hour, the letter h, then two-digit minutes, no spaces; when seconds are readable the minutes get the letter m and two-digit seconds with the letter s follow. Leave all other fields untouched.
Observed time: 12h31m58s
